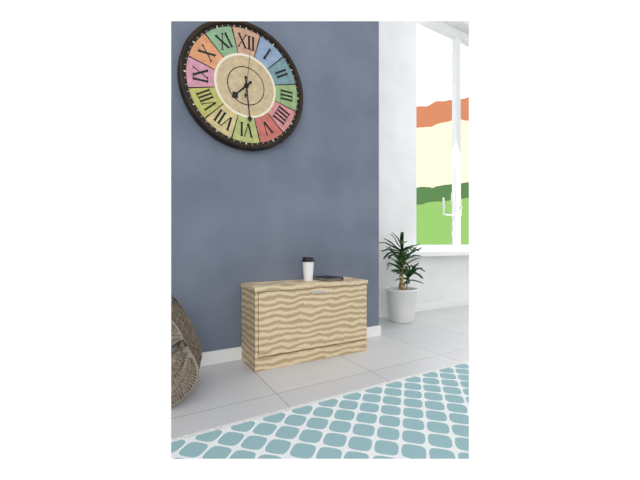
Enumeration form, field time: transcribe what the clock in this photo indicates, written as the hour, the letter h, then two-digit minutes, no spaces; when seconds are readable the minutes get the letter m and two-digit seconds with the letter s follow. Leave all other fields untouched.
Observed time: 7h29
